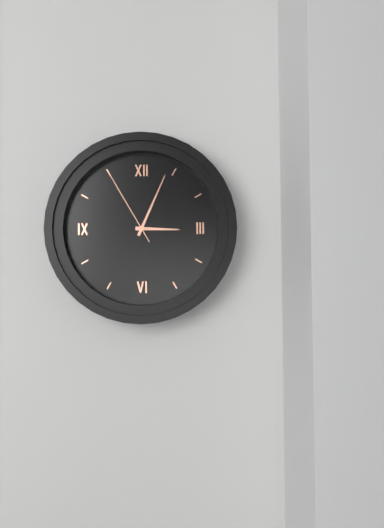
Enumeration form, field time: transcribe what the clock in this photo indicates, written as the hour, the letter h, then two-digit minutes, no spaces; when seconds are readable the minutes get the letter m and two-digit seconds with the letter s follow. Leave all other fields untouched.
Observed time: 3h04m55s
